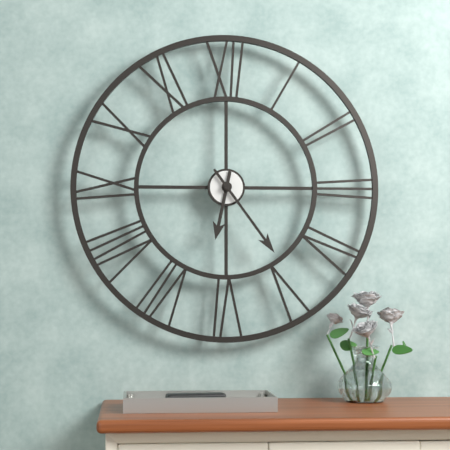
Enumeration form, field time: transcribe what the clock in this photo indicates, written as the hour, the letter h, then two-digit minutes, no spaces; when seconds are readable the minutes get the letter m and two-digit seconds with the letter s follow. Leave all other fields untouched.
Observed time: 6h24
